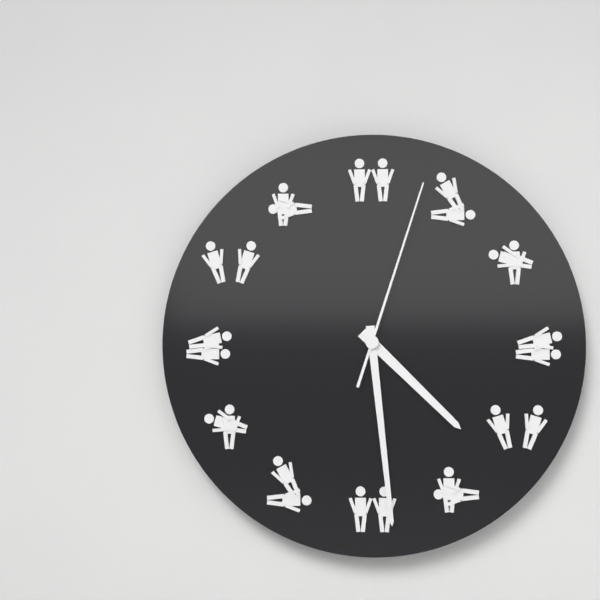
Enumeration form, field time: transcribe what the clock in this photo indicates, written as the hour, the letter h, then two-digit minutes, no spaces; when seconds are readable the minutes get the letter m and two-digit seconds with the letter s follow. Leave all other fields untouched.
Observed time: 4h29m03s
